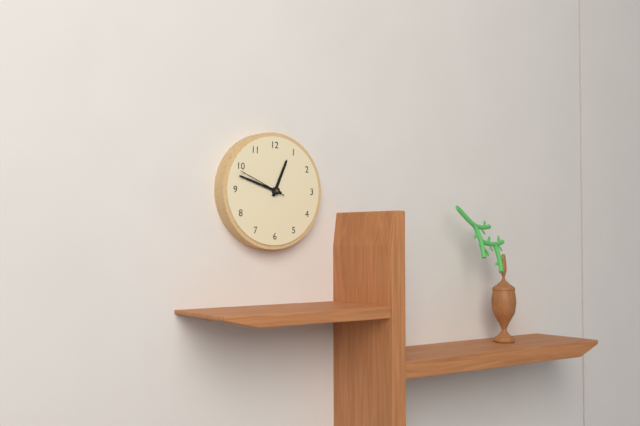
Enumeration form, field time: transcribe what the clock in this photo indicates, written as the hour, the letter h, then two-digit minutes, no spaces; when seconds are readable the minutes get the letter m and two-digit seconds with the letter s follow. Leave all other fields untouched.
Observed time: 12h48m49s
